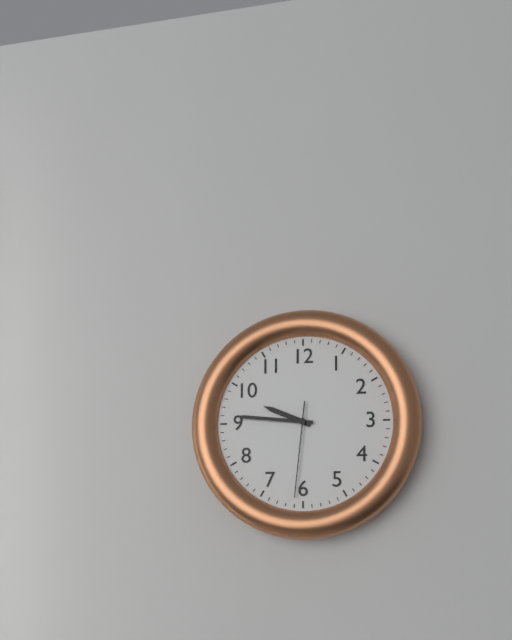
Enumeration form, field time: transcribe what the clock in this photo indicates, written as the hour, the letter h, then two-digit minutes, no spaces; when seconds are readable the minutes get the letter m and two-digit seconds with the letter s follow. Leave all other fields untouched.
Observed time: 9h46m31s
